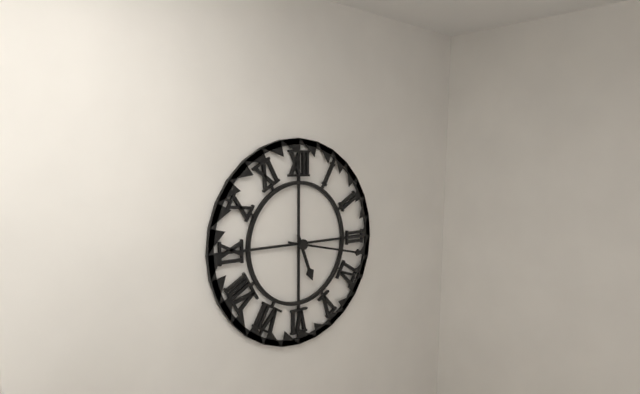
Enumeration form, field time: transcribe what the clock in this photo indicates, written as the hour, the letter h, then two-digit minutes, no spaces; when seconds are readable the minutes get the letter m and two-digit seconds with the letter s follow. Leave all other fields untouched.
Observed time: 5h17
